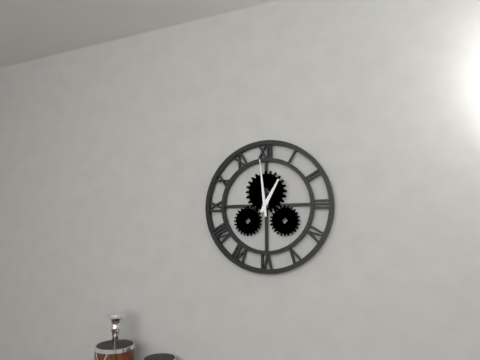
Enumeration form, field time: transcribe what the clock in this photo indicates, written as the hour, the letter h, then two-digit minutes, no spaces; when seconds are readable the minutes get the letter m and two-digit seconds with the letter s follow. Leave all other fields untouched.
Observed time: 12h59
